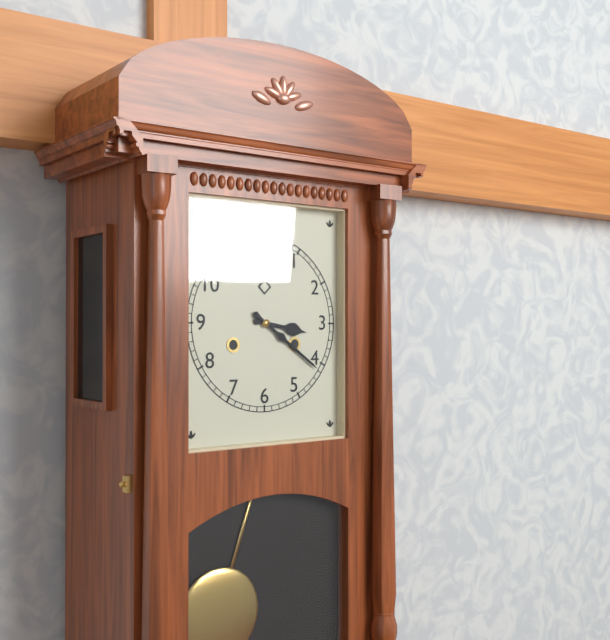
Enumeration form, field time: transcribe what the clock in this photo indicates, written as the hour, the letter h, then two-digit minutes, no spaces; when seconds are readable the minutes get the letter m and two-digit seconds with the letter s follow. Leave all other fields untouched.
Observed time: 3h21
